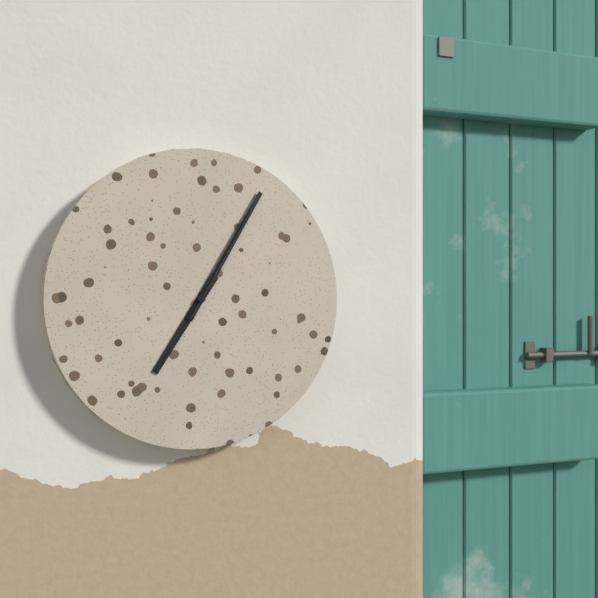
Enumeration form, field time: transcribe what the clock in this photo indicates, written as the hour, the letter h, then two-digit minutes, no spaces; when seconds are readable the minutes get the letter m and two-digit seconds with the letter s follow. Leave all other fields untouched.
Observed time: 7h05m05s
